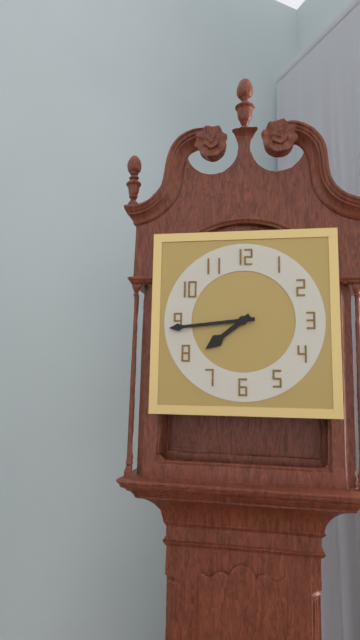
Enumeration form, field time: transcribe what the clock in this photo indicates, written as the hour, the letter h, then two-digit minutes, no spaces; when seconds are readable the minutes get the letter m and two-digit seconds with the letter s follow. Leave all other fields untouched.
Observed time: 7h44
